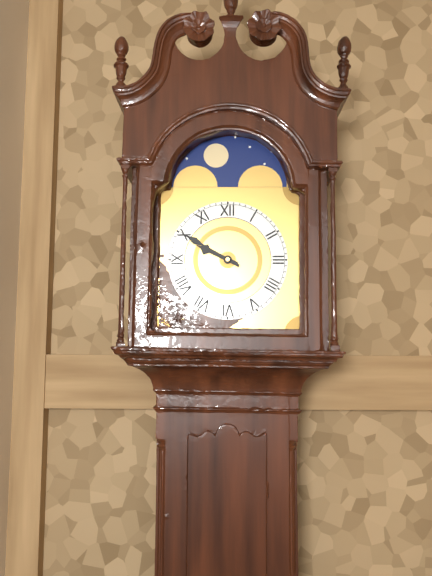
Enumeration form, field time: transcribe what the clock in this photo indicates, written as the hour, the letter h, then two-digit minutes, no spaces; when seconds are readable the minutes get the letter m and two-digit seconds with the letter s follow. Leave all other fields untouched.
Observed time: 9h50
